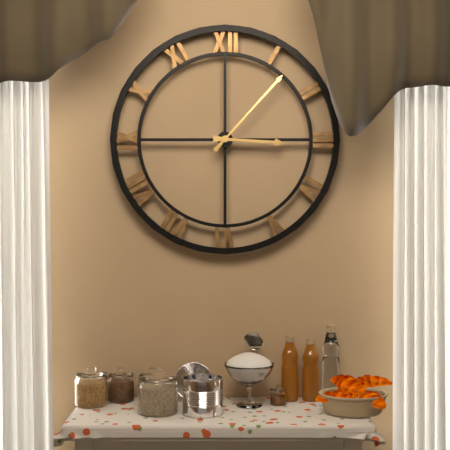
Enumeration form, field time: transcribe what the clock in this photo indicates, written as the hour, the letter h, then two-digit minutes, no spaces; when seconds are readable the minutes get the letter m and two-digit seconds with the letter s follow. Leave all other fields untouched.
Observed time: 3h07
